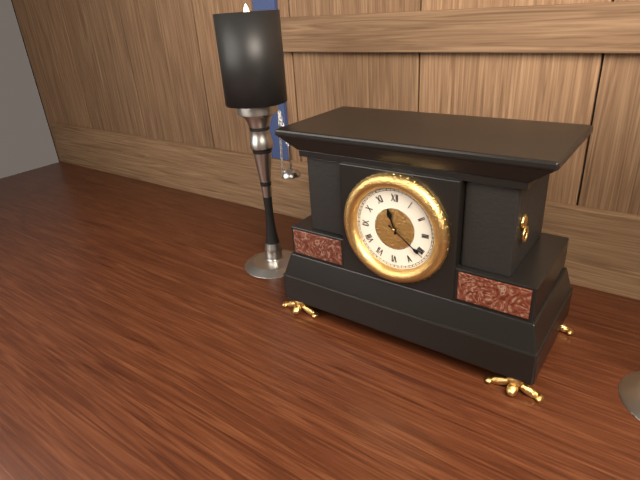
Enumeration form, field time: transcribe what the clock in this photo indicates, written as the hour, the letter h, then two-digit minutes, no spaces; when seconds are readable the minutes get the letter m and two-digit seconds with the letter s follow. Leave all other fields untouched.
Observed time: 11h21
